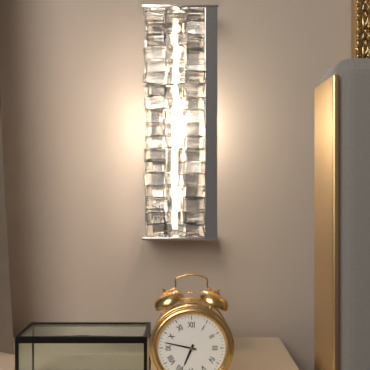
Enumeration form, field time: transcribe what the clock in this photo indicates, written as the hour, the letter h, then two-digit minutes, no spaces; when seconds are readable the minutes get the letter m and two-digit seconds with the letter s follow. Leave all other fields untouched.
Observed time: 6h47
